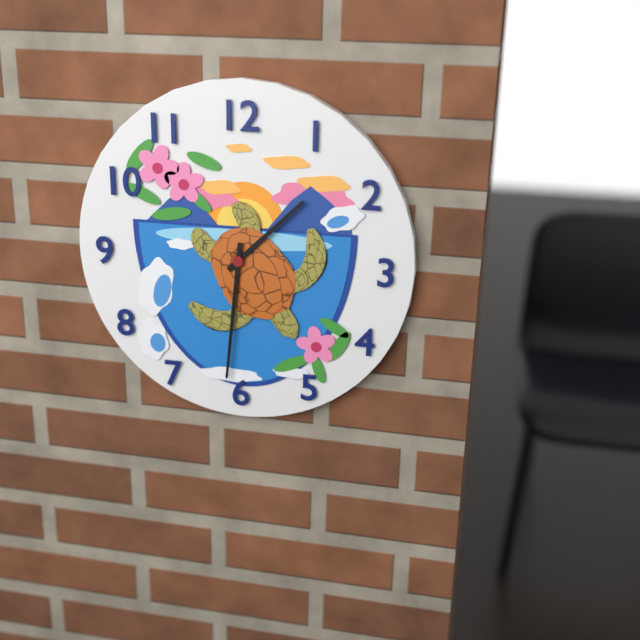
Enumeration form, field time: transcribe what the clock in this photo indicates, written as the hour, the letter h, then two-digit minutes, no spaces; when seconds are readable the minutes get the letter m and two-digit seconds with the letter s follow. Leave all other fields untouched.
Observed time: 1h31
